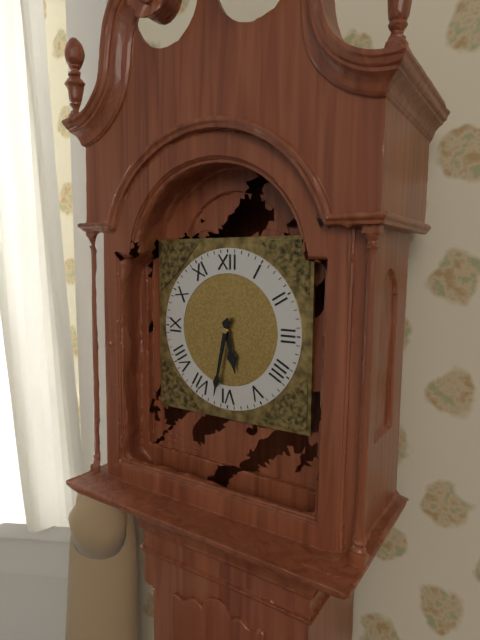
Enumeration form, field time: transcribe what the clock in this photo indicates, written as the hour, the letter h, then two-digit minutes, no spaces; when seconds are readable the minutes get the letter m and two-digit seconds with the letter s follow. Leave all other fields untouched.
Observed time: 5h32
